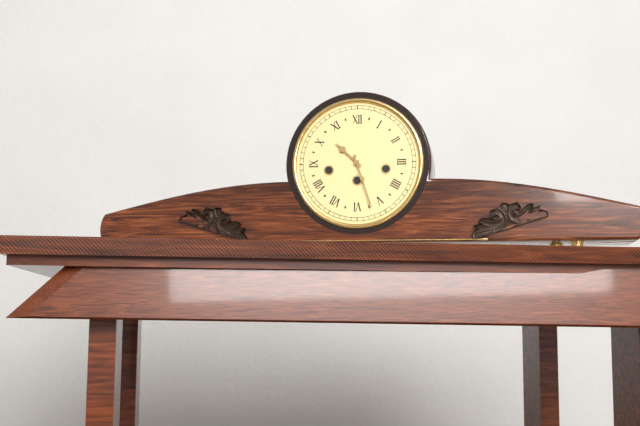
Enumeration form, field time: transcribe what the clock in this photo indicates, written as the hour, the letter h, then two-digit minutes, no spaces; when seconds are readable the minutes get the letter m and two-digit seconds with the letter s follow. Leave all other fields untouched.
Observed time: 10h27
